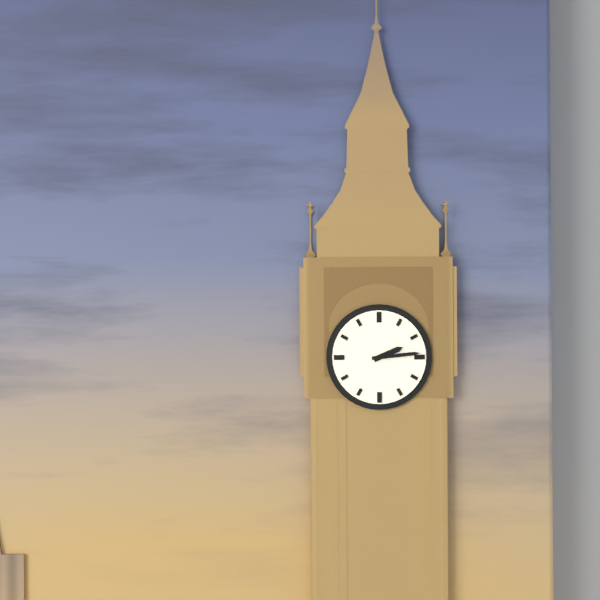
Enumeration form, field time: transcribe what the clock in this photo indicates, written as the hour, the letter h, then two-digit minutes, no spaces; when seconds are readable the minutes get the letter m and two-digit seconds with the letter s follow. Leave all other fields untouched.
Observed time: 2h14
